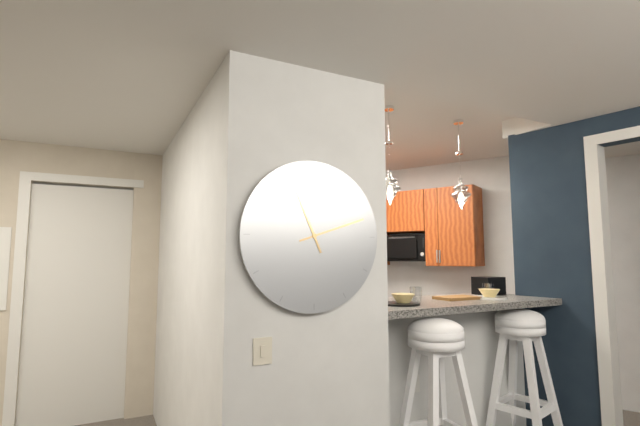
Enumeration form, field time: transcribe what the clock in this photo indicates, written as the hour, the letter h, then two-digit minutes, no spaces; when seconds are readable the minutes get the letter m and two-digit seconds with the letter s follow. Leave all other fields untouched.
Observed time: 11h12
